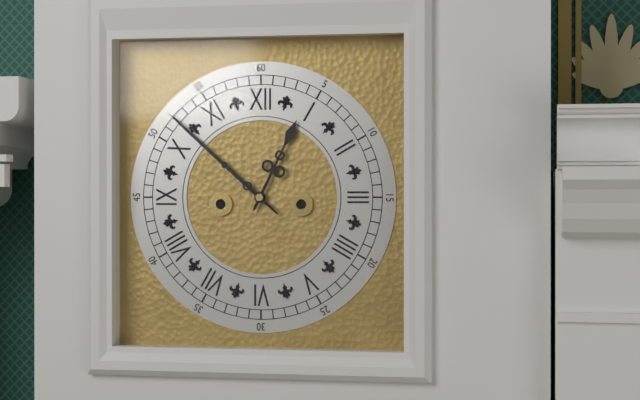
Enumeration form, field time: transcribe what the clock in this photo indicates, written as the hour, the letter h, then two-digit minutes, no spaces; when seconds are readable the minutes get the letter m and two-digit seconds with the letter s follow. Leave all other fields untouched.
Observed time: 12h52
